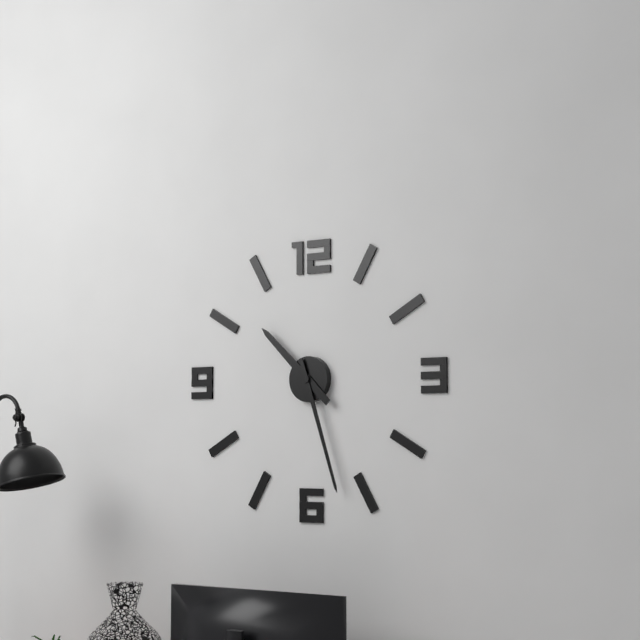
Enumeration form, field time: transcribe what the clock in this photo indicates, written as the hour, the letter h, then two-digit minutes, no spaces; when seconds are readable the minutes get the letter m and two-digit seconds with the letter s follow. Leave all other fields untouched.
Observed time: 10h27
